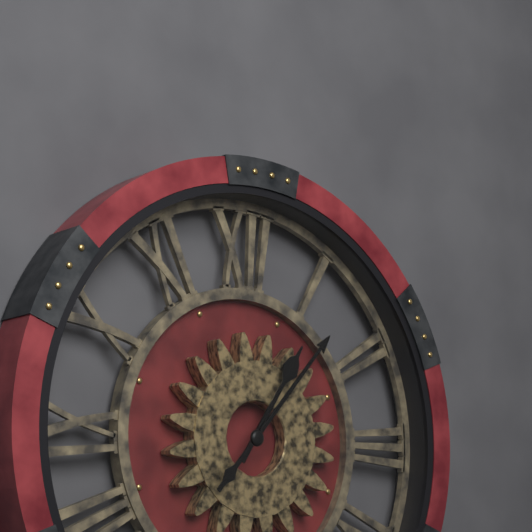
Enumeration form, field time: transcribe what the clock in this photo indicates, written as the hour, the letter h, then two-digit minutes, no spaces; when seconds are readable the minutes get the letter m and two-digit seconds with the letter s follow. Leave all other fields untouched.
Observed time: 1h07
